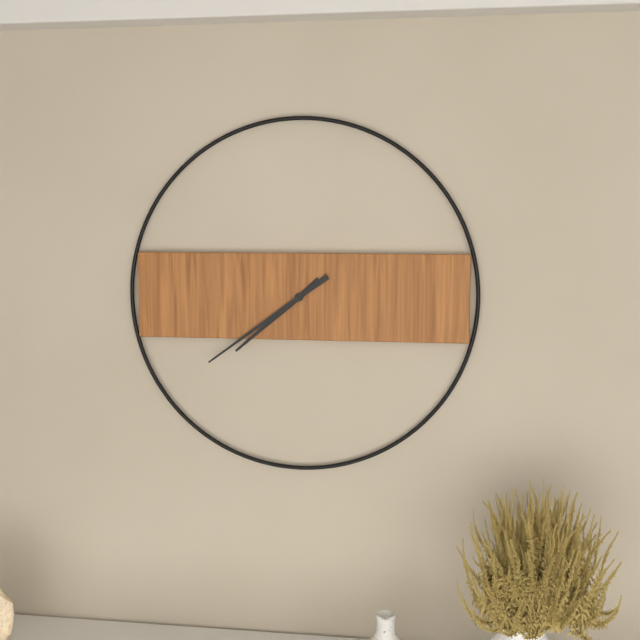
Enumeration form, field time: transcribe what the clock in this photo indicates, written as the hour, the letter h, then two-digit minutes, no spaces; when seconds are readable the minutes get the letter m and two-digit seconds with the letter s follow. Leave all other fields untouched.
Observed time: 7h39
